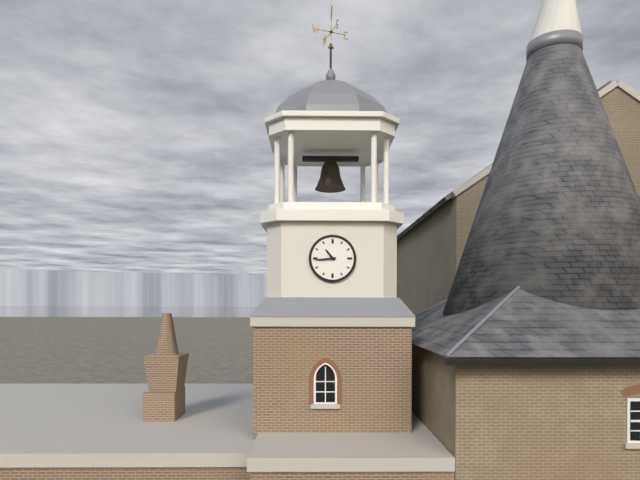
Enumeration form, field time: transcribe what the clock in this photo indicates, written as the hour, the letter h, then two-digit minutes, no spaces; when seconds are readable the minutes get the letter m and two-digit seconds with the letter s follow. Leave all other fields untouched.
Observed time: 10h44
